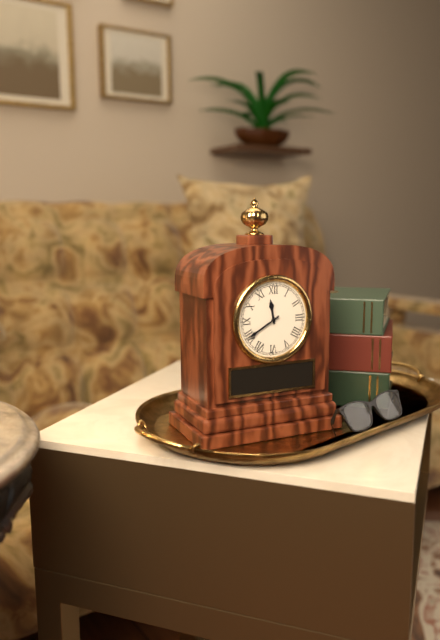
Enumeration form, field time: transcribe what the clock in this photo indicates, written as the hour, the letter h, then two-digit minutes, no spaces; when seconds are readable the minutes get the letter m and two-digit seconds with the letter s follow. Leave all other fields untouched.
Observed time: 11h40
